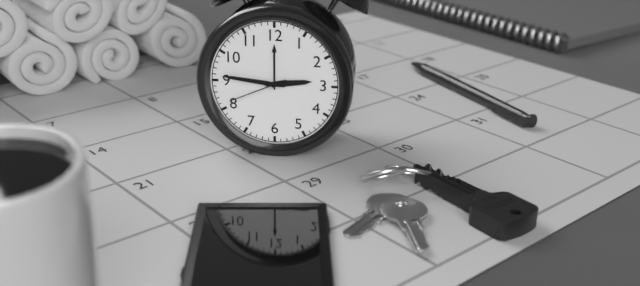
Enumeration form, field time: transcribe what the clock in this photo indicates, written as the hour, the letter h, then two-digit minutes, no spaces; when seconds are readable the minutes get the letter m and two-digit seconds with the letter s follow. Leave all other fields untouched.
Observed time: 2h46m41s
